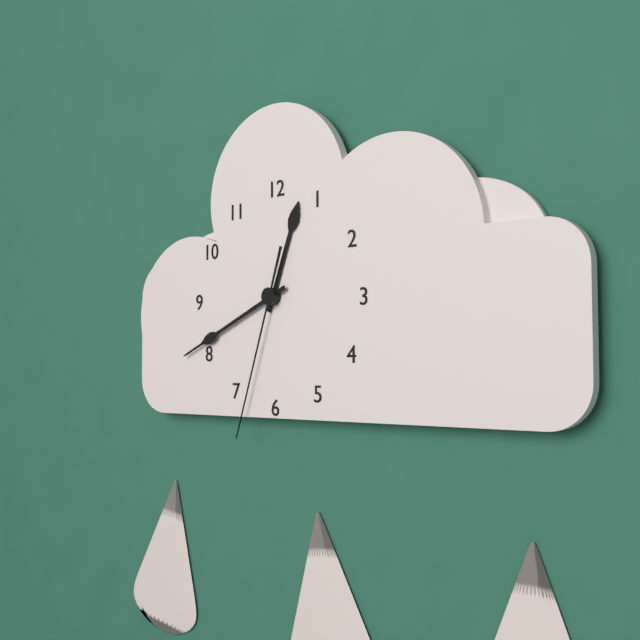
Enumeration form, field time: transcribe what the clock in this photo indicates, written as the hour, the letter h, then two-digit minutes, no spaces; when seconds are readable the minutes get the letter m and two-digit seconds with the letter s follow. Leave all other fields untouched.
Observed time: 12h41m33s
